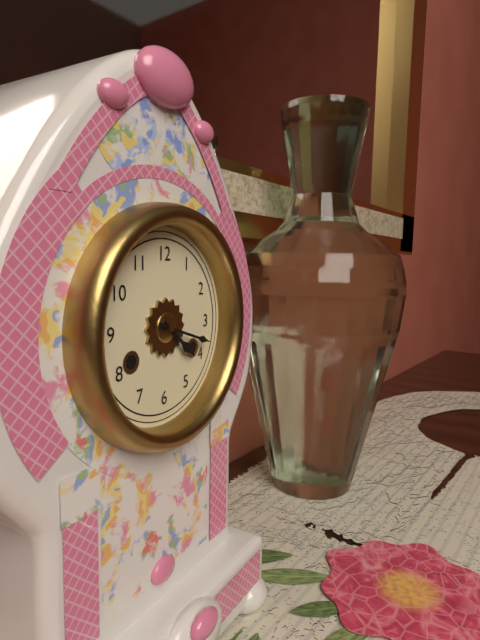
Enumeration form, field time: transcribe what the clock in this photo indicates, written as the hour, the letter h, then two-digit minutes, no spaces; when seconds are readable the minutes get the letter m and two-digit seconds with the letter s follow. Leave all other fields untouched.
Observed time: 4h18
